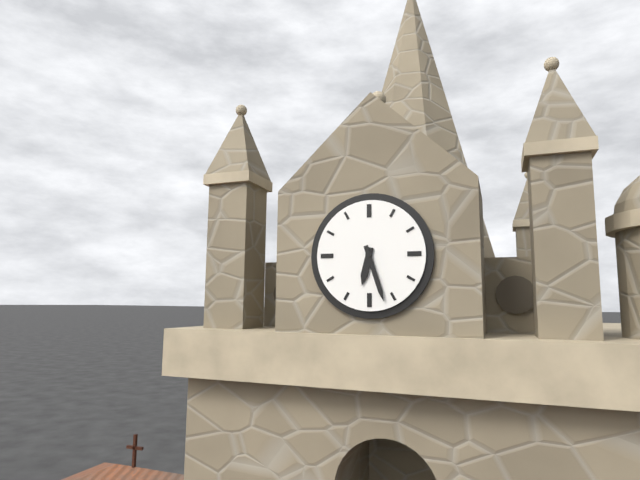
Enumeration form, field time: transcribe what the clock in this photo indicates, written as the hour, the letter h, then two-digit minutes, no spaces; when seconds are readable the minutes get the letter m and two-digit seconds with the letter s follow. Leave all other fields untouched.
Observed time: 6h27
